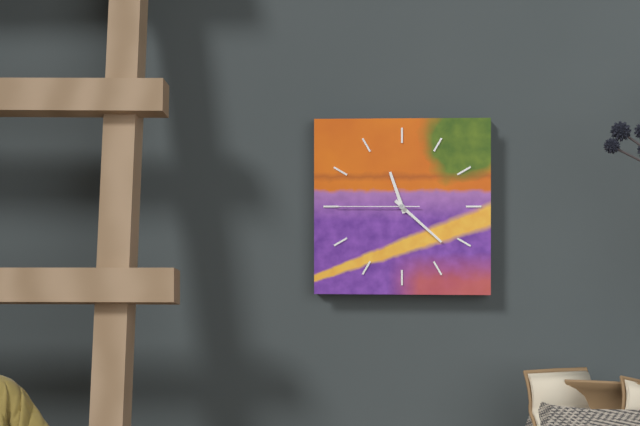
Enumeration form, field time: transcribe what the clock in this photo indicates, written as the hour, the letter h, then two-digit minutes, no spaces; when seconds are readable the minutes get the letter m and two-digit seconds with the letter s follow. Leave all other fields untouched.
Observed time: 11h22m45s
